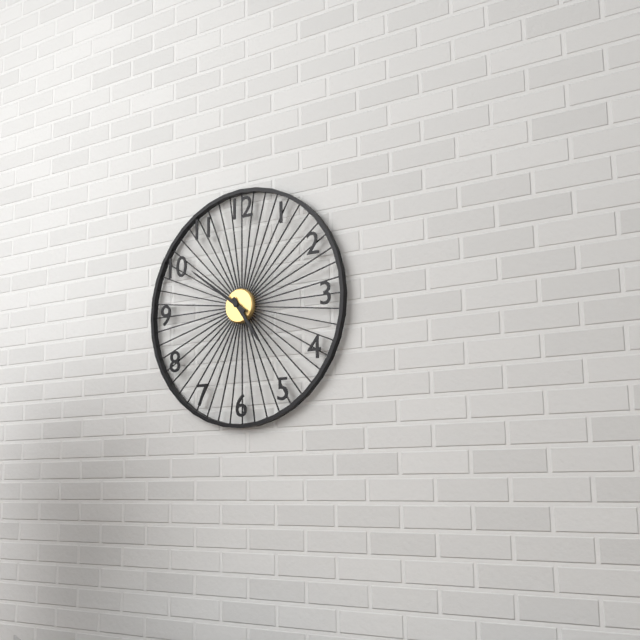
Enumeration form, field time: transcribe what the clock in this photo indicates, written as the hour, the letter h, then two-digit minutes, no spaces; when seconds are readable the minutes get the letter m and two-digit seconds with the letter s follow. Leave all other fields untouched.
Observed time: 4h51
